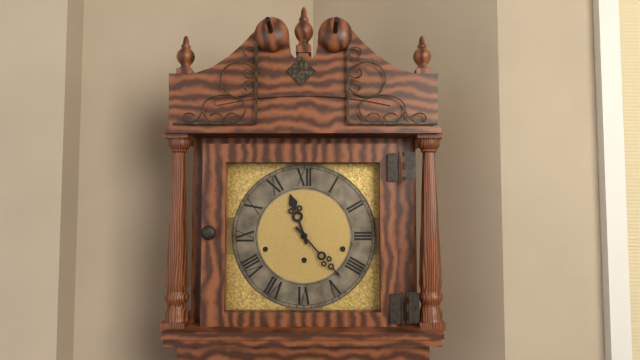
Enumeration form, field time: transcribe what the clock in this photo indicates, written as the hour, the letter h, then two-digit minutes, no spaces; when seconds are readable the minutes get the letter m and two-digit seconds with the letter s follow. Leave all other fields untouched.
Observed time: 11h23
